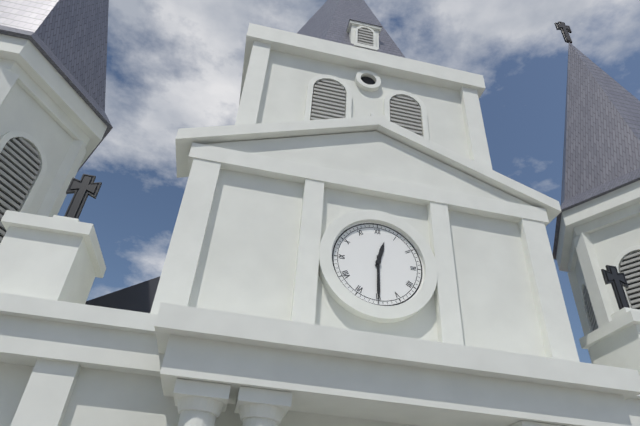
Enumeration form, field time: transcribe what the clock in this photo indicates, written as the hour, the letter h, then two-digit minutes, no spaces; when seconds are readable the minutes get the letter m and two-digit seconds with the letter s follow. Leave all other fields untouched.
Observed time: 12h30
